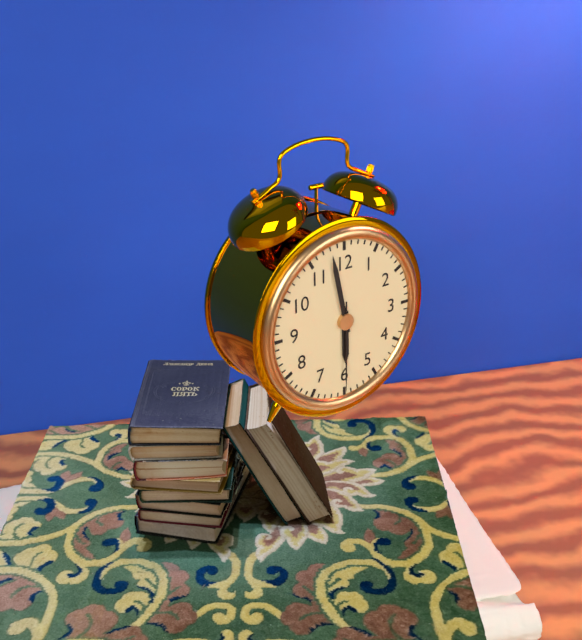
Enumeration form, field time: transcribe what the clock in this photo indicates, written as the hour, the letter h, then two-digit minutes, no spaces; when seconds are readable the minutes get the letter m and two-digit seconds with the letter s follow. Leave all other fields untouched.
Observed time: 5h58m30s
